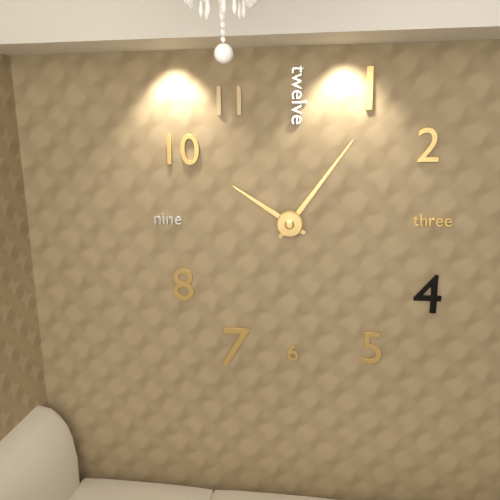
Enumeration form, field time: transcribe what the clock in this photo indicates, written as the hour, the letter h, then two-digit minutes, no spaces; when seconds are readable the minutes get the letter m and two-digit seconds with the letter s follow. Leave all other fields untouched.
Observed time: 10h06
